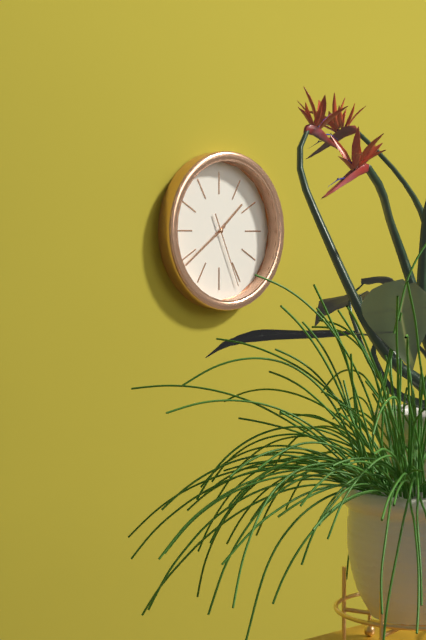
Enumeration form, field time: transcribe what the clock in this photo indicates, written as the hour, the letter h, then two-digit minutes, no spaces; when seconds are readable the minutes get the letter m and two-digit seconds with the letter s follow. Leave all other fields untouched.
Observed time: 1h39m26s
